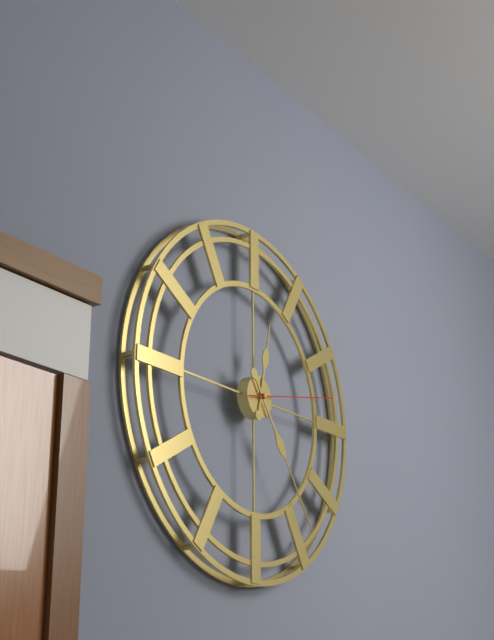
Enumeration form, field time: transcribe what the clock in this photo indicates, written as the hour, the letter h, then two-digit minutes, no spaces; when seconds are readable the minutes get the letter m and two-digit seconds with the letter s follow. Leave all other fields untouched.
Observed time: 12h24m13s
